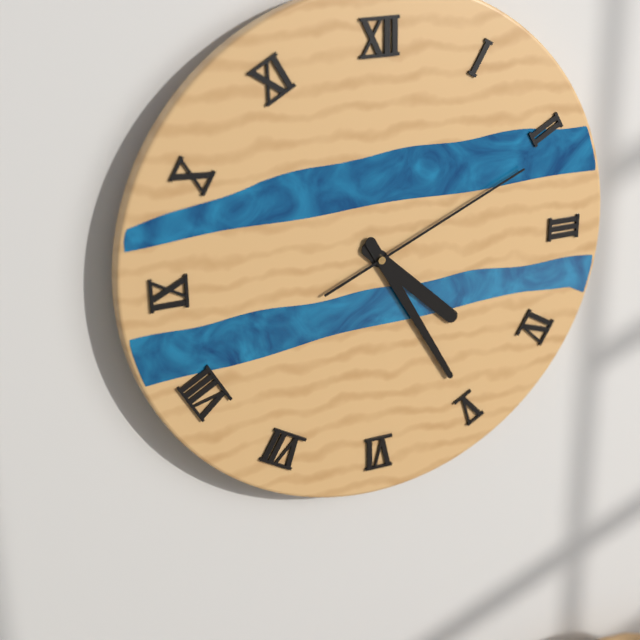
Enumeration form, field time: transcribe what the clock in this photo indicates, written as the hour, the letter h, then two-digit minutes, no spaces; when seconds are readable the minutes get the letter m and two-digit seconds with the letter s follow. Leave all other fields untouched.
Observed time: 4h25m11s
